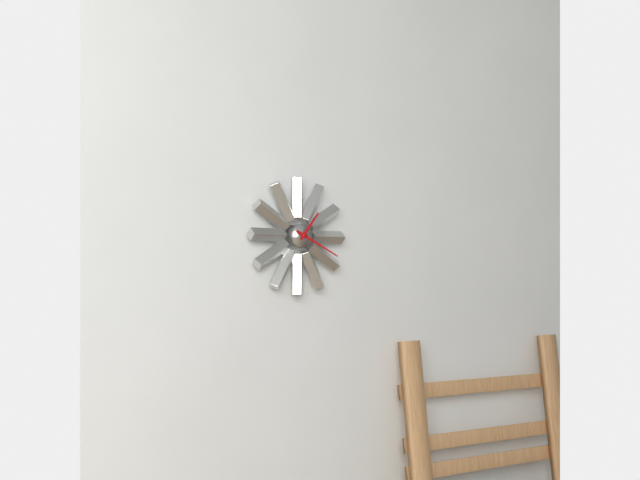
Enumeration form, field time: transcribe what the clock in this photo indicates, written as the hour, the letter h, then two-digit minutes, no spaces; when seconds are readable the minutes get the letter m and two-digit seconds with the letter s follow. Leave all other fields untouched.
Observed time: 1h19
